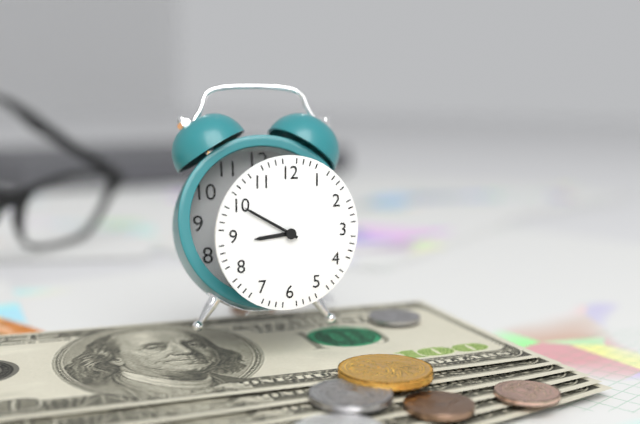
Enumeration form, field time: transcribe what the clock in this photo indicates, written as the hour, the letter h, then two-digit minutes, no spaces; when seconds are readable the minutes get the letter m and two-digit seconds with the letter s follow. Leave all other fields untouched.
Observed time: 8h50
